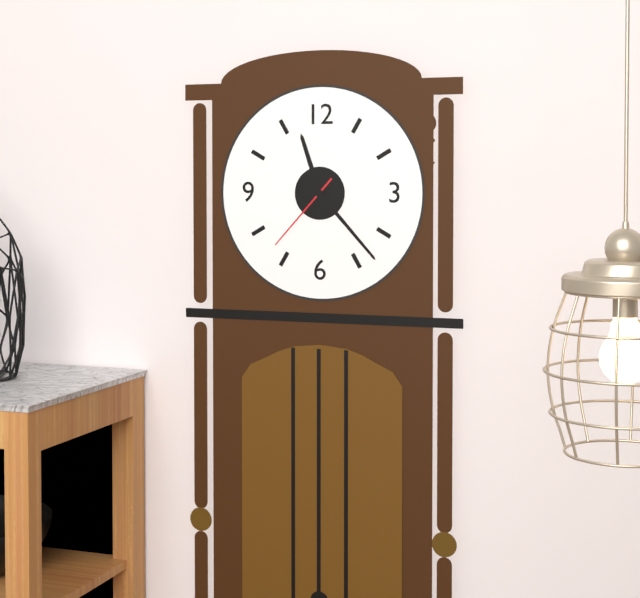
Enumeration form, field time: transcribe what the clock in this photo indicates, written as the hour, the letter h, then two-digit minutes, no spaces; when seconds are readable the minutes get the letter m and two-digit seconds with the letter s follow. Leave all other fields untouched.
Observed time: 11h23m37s
